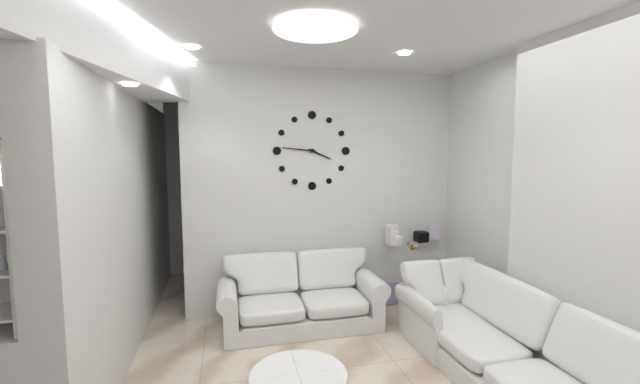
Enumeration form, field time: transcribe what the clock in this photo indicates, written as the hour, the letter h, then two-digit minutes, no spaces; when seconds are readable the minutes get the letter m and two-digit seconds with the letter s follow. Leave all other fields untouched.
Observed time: 3h46
